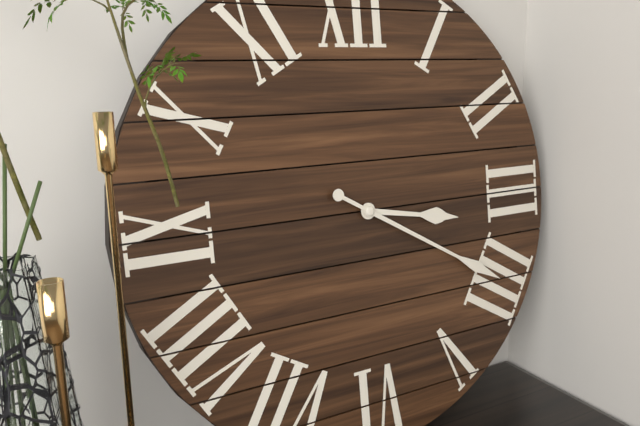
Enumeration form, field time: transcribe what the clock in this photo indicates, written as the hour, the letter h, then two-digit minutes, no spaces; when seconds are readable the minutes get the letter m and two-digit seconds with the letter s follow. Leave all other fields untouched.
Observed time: 3h20
